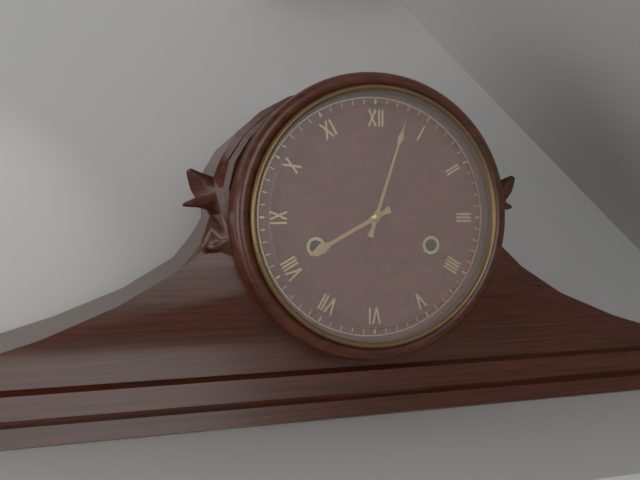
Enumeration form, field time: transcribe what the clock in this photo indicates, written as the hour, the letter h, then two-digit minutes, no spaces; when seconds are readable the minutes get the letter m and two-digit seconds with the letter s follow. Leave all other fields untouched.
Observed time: 8h03
